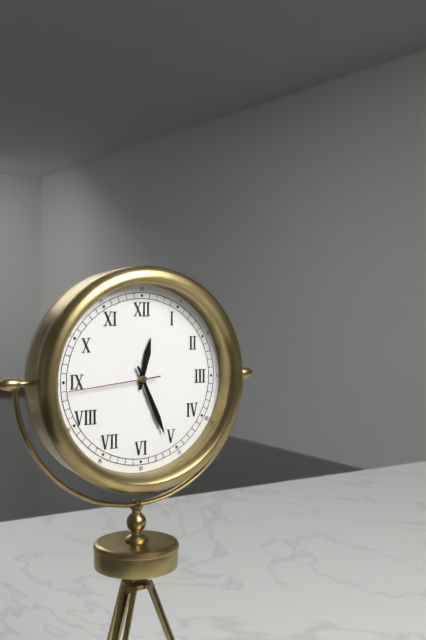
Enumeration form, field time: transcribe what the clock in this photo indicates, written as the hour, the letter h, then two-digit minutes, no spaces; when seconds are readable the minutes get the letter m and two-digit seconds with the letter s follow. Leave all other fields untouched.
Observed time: 12h26m44s
